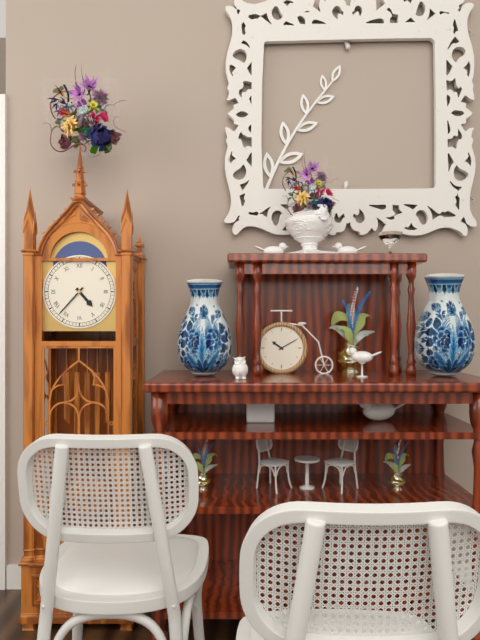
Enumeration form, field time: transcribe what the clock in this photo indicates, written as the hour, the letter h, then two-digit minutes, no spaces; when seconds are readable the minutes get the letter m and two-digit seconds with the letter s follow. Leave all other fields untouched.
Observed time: 4h37
